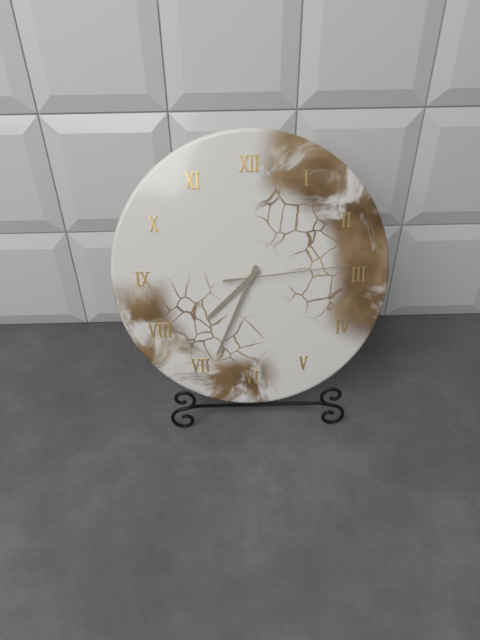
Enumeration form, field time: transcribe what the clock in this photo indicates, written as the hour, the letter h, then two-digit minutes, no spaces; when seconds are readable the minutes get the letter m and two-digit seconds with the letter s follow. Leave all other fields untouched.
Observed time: 7h34m14s
